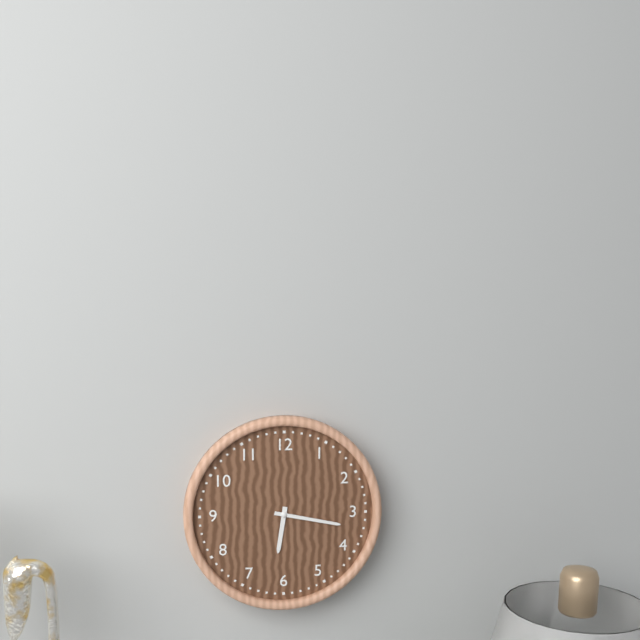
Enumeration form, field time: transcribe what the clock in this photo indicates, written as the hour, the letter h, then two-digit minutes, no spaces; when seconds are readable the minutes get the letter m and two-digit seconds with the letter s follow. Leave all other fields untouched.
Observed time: 6h17
